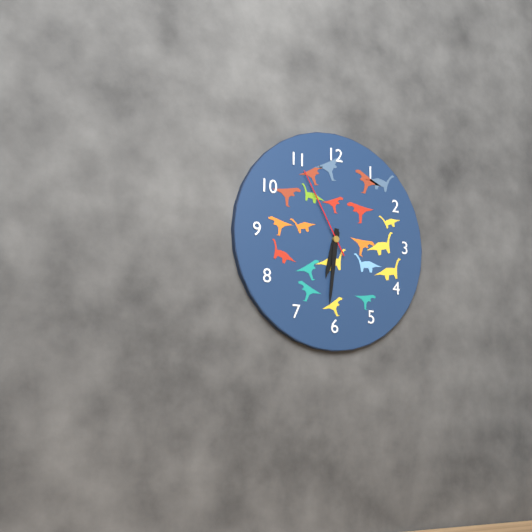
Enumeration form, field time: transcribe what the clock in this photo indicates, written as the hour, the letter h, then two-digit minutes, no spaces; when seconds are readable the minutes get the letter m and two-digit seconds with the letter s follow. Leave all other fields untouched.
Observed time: 6h31m55s
